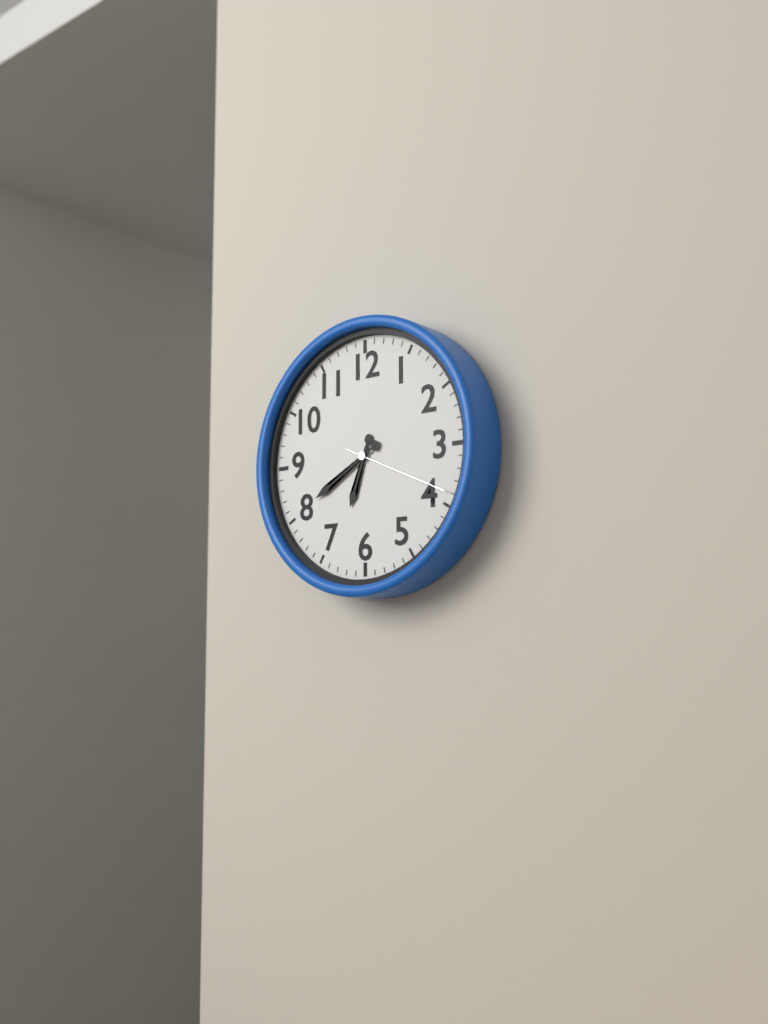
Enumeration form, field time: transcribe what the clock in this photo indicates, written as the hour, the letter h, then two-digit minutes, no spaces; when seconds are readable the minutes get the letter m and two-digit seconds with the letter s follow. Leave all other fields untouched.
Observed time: 6h40m19s
